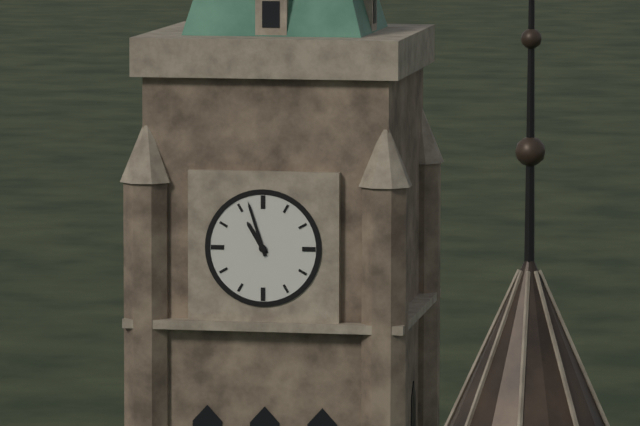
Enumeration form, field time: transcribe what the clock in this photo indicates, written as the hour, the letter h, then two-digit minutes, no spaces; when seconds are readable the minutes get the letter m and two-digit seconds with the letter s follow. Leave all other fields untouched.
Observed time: 10h57
